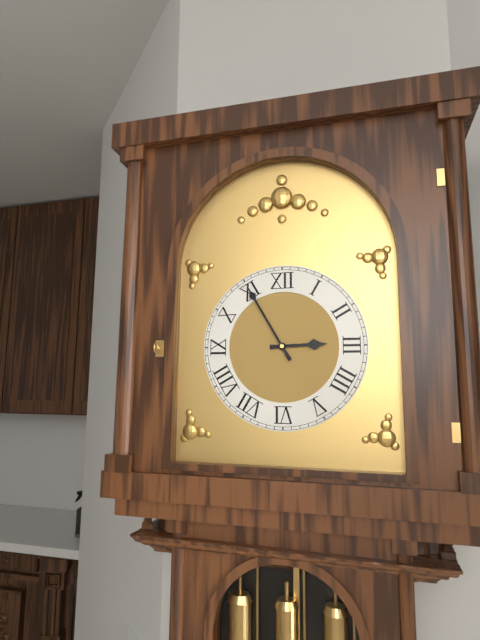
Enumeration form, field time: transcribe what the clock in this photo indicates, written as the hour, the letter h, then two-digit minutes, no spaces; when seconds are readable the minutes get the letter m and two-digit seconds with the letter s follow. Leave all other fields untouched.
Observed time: 2h55
